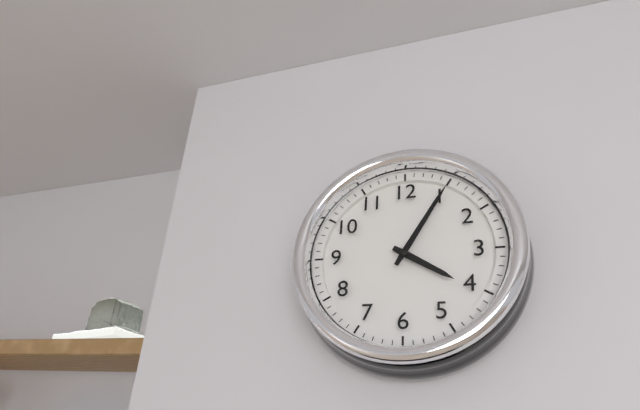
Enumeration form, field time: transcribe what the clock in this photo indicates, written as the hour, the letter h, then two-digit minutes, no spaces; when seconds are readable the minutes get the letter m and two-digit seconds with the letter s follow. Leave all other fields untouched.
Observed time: 4h05
